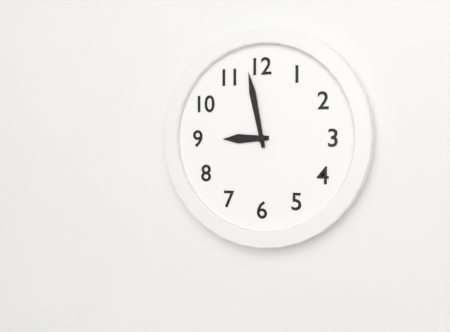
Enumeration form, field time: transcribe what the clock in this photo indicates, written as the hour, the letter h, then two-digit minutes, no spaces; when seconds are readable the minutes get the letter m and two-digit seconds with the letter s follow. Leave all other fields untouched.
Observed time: 8h58
